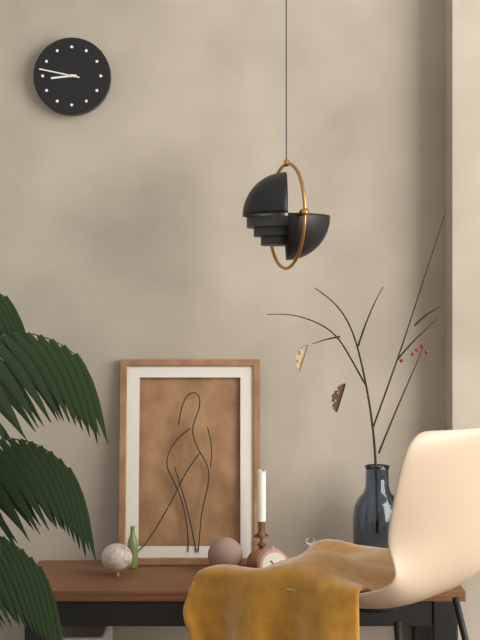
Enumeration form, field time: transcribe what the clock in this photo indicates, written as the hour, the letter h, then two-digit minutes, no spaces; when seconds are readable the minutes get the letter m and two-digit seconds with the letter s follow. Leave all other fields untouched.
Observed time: 8h47
